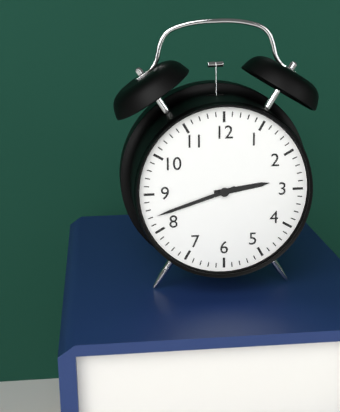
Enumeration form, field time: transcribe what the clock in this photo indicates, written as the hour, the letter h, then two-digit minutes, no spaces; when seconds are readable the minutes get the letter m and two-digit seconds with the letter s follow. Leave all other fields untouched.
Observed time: 2h42
